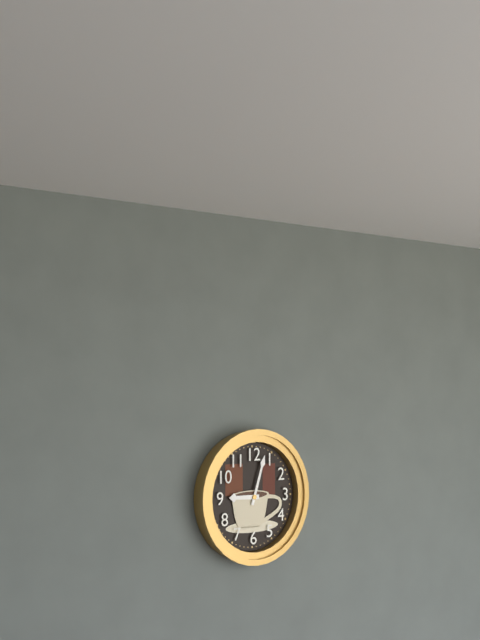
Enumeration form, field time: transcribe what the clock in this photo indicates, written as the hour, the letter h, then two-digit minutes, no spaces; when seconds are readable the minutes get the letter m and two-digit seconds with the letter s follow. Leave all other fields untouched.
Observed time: 9h03
